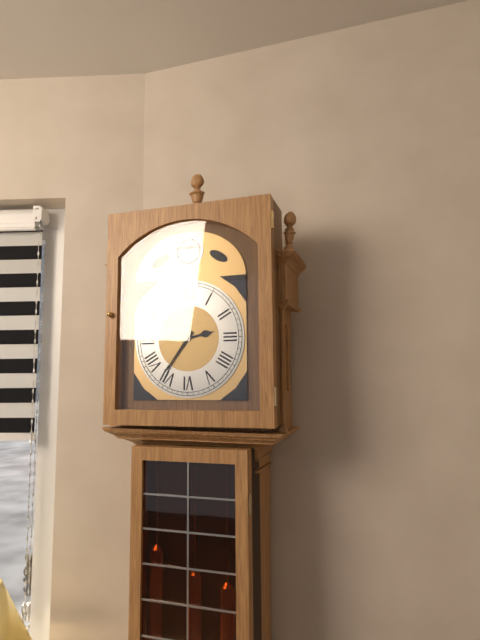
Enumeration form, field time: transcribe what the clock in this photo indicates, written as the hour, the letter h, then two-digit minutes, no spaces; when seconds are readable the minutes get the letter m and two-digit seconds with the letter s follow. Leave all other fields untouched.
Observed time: 2h36
